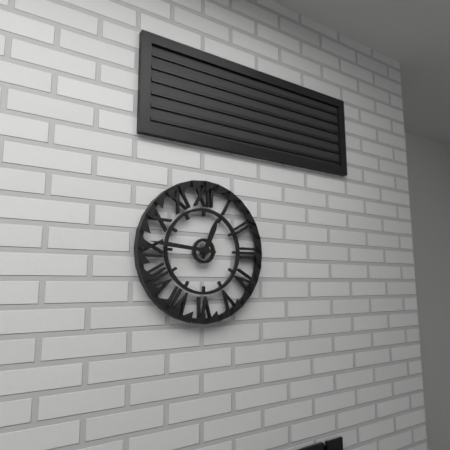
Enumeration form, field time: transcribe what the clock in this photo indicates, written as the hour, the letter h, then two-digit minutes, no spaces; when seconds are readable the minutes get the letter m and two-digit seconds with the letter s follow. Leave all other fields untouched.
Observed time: 12h46
